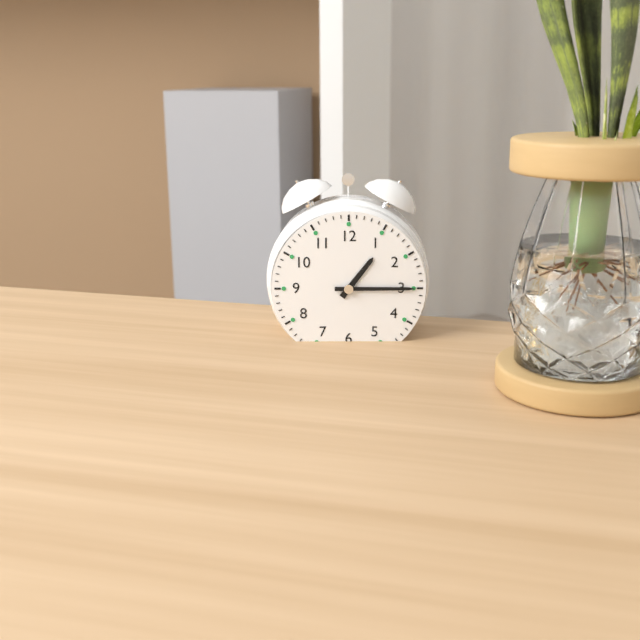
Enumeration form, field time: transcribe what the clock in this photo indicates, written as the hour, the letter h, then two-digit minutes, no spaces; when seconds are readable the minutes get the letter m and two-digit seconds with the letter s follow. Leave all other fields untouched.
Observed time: 1h15
